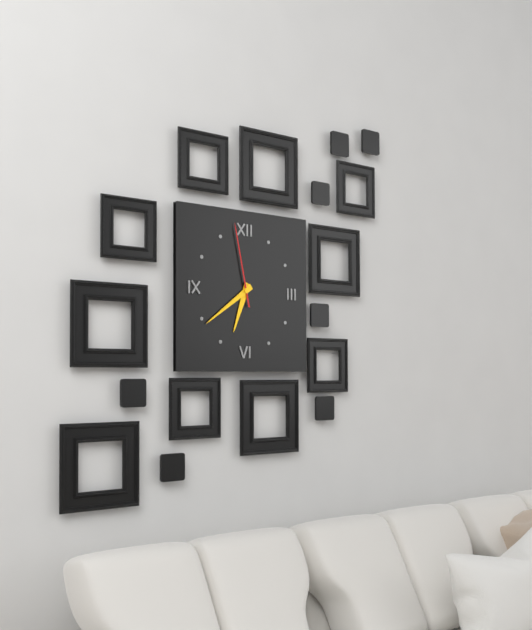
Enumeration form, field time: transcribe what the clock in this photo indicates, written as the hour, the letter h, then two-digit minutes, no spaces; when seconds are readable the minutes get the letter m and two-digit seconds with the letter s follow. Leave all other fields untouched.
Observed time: 6h39m58s
